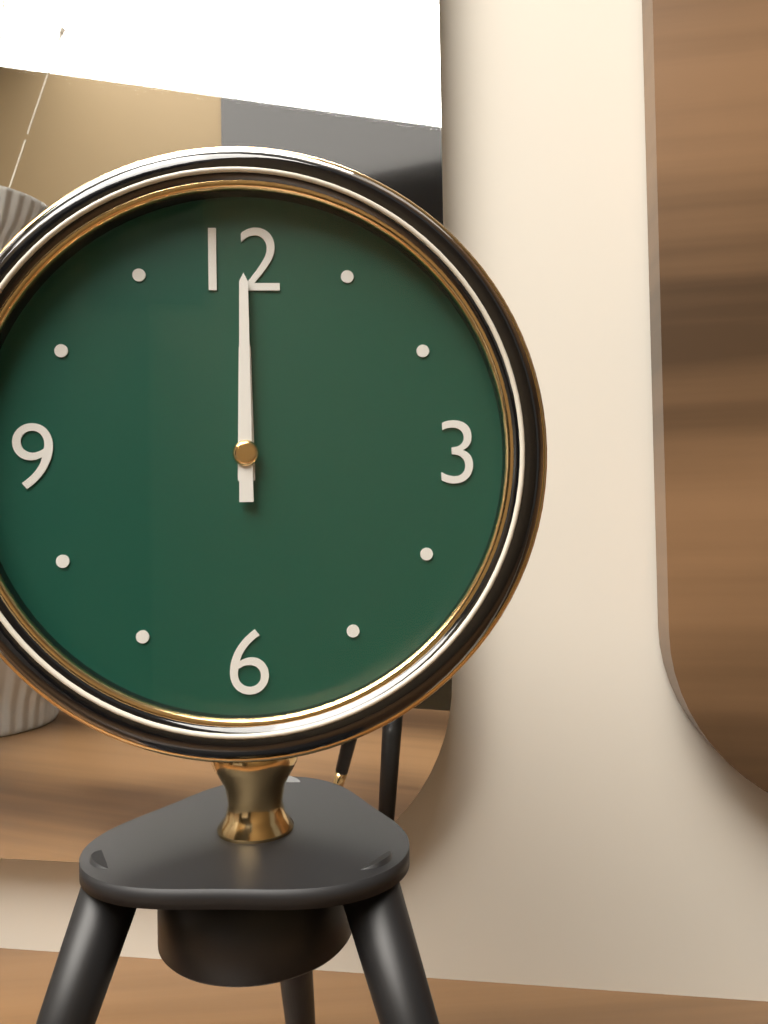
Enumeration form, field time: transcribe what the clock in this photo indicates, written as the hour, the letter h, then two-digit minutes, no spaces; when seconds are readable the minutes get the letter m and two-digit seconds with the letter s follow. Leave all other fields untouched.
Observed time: 12h00
